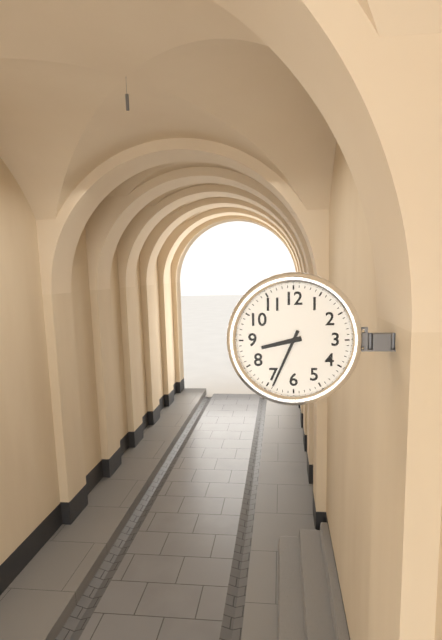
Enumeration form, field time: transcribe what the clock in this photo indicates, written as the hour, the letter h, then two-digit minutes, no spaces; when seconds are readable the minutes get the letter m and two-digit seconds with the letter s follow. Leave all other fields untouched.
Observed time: 8h34
